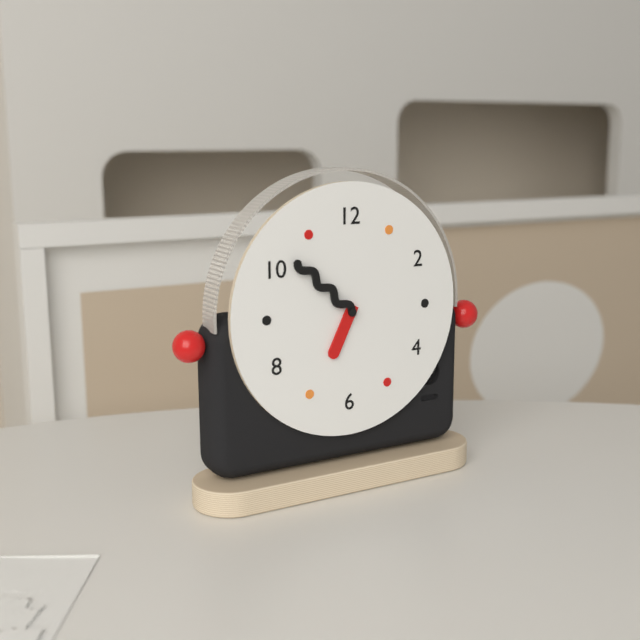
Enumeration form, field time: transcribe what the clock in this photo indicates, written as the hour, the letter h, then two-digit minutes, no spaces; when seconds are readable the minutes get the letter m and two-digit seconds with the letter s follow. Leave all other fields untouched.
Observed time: 6h52
